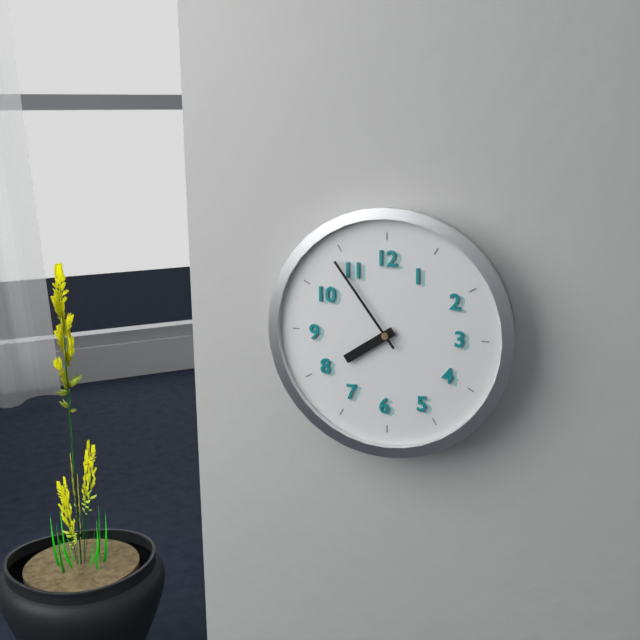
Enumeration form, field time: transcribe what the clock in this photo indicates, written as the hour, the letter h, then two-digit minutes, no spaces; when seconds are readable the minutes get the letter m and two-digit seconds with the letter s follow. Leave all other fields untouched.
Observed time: 7h54
